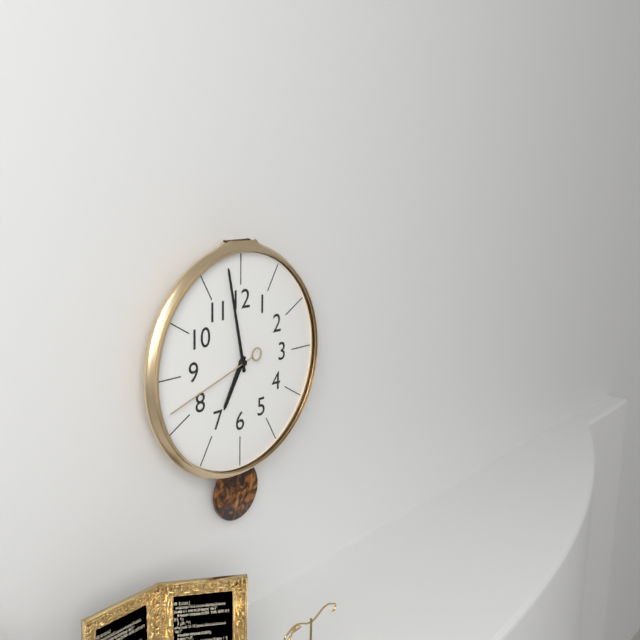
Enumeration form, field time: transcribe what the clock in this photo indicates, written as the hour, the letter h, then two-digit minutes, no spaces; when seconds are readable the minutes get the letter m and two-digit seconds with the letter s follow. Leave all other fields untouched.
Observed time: 6h58m42s
